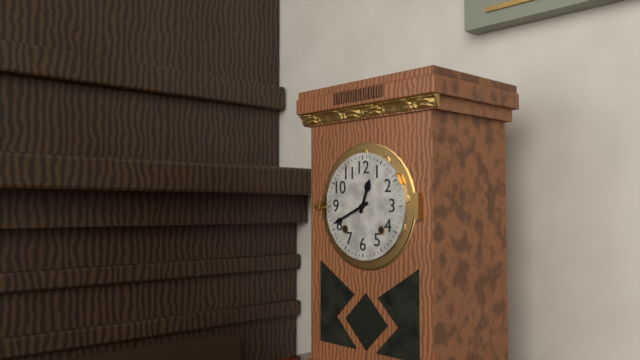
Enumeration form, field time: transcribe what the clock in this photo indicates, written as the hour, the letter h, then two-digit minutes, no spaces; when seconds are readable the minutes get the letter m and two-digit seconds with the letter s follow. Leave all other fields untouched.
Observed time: 12h41
